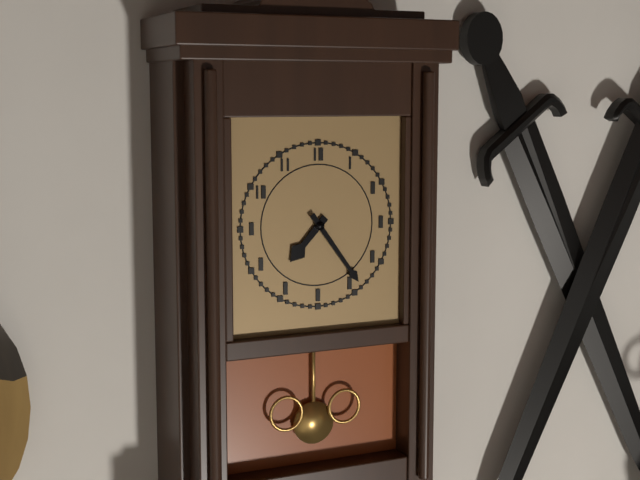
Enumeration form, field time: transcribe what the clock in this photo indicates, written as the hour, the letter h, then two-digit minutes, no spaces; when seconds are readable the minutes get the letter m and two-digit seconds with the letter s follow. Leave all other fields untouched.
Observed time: 7h24
